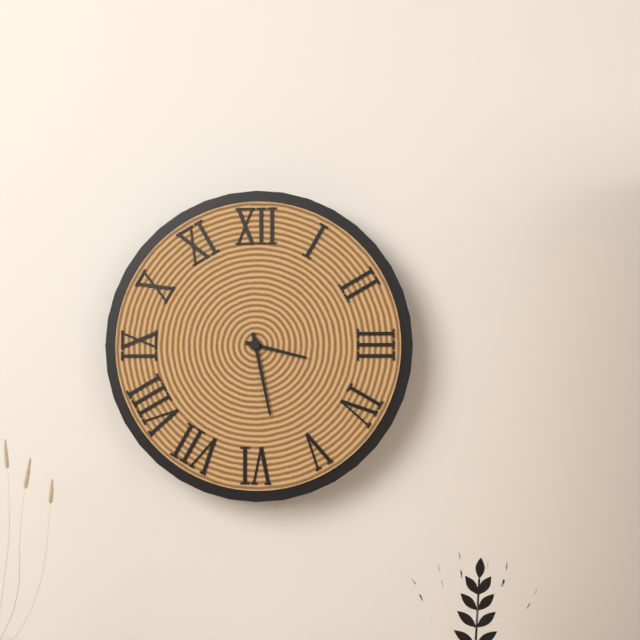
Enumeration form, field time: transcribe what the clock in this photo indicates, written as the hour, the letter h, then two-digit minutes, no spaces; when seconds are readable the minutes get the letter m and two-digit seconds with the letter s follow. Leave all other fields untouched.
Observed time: 3h28
